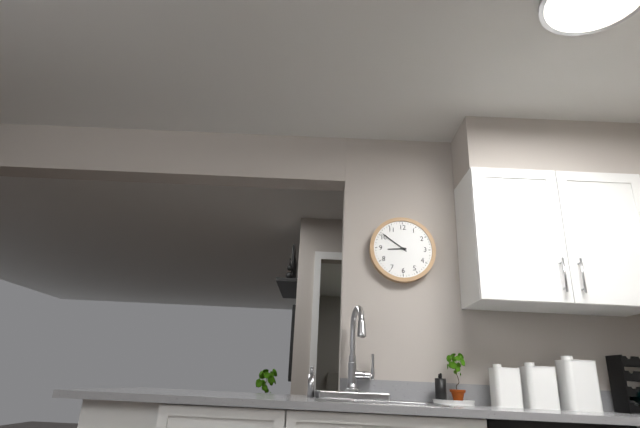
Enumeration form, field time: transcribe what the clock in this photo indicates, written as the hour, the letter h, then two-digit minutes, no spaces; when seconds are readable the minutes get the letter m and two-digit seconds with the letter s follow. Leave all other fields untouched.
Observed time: 8h51
